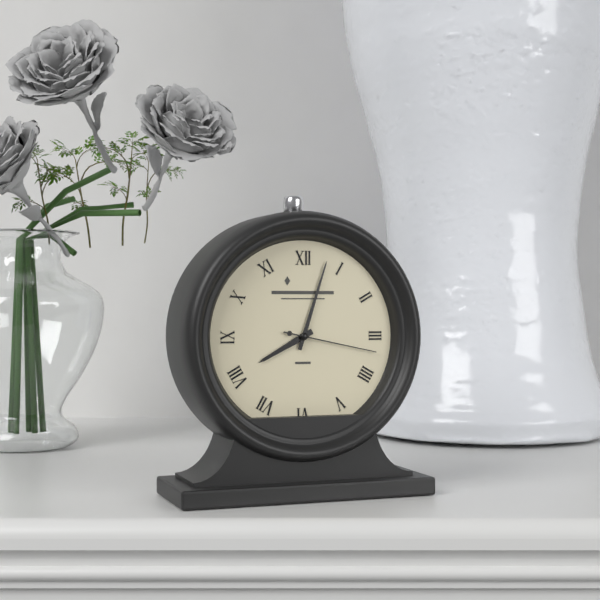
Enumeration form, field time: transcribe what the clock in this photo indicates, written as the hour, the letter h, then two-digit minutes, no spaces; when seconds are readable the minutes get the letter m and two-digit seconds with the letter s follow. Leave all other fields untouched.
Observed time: 8h03m17s
